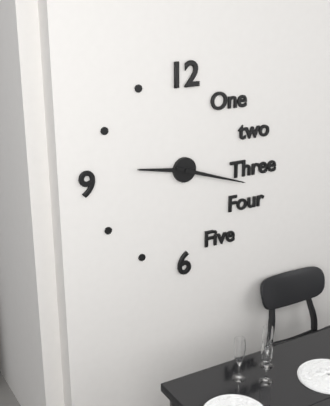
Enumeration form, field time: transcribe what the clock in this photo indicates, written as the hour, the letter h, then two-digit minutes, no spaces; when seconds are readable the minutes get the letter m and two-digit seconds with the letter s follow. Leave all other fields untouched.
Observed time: 9h18
